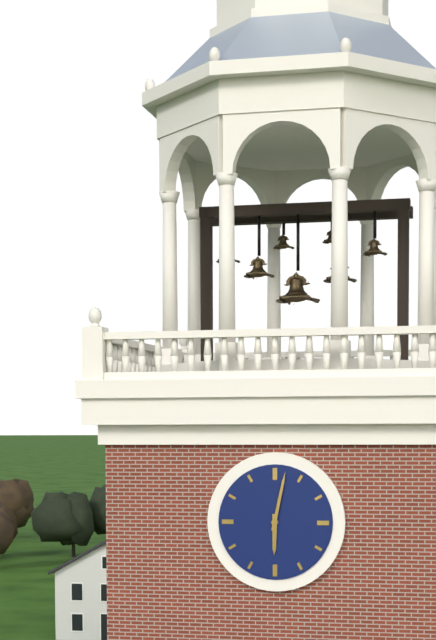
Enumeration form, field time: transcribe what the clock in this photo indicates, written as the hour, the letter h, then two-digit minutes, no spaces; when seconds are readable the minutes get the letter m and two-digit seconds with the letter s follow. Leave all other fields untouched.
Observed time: 6h02
